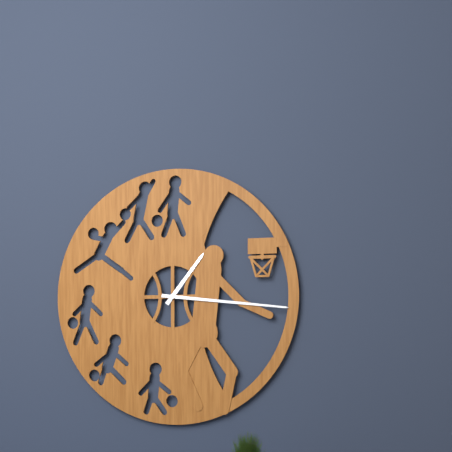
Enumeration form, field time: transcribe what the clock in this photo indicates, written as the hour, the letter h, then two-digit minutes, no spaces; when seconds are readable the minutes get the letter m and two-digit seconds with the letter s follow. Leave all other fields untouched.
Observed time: 1h16
